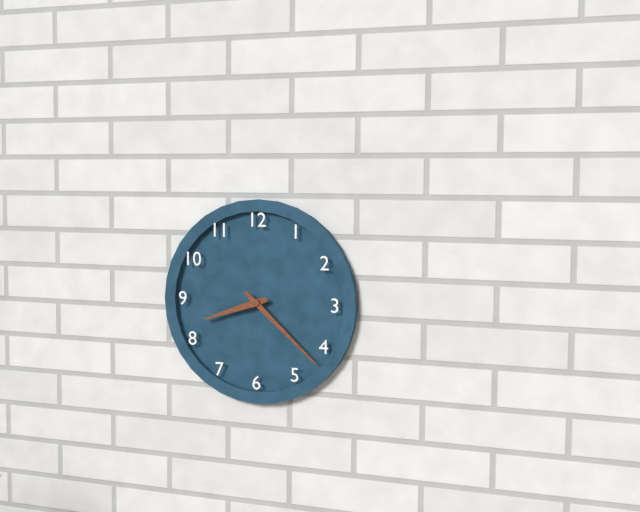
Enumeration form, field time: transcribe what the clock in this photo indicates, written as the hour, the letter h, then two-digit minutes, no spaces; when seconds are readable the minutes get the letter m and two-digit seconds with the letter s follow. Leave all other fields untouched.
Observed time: 8h22
